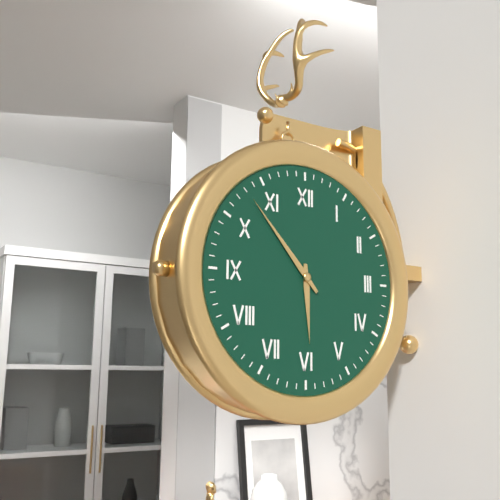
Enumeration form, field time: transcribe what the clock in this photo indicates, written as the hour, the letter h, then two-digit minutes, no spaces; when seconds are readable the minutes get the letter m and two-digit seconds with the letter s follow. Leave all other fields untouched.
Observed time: 5h53
